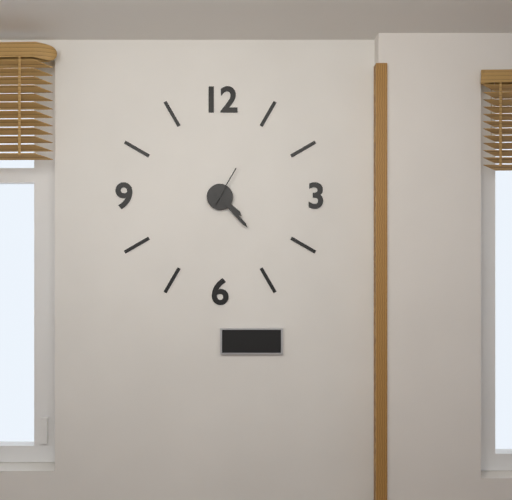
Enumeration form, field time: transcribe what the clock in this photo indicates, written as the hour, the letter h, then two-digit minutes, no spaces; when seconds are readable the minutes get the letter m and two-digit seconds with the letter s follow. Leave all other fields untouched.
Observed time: 4h23
